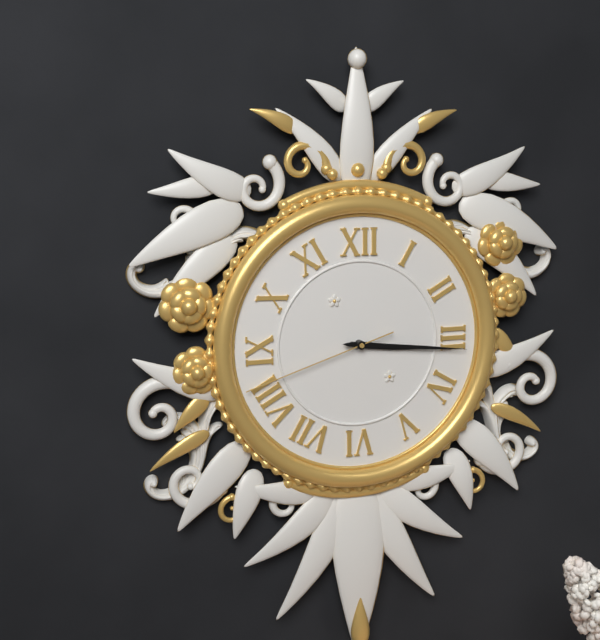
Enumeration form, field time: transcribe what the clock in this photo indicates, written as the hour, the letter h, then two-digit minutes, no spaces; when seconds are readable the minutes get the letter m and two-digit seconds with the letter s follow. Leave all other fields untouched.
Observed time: 3h16m42s
